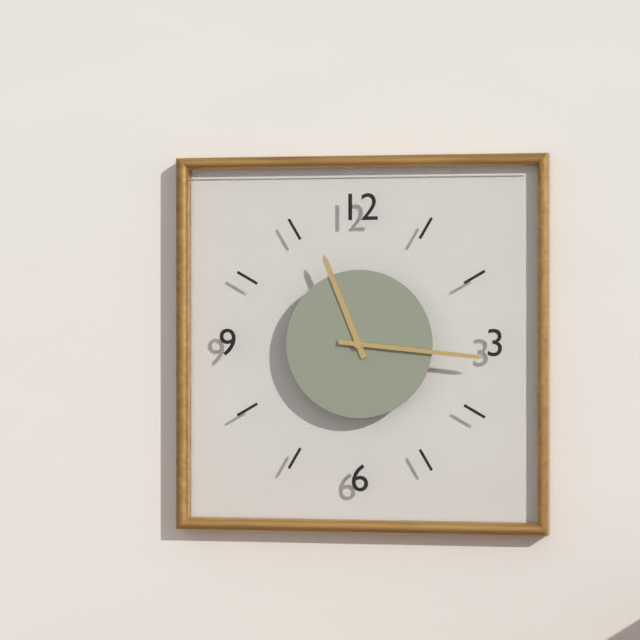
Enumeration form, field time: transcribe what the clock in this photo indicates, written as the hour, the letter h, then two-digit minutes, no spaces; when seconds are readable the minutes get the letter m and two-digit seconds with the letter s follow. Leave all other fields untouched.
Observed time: 11h16
